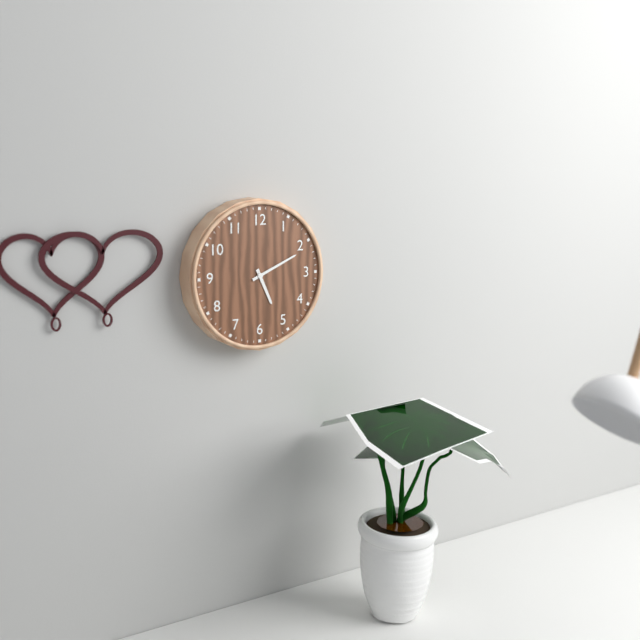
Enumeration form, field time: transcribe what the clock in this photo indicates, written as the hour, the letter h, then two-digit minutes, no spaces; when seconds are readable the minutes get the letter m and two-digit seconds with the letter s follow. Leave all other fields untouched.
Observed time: 5h11
